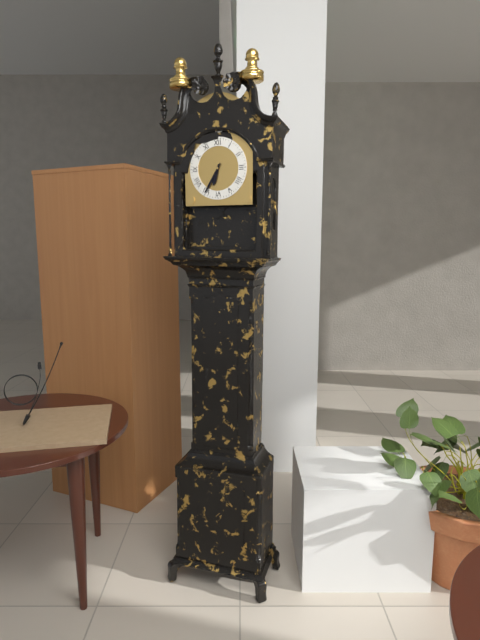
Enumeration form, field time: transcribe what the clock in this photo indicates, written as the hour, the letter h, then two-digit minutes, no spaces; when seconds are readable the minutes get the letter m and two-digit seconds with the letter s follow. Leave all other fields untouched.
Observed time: 6h35
